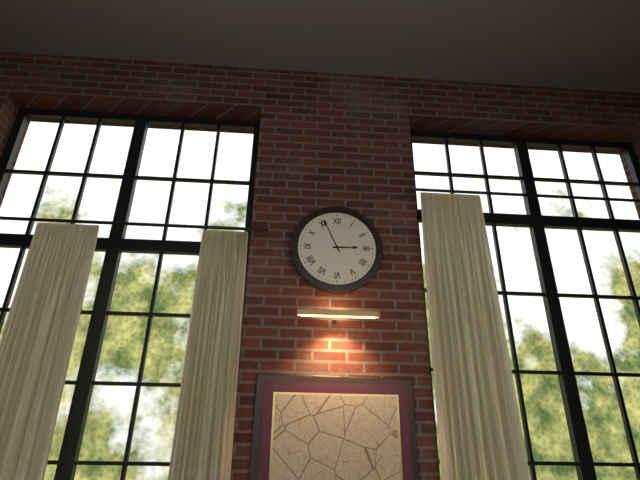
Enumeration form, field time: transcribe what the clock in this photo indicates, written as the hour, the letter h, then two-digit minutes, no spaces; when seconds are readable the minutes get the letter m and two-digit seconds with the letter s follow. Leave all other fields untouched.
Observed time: 2h56
